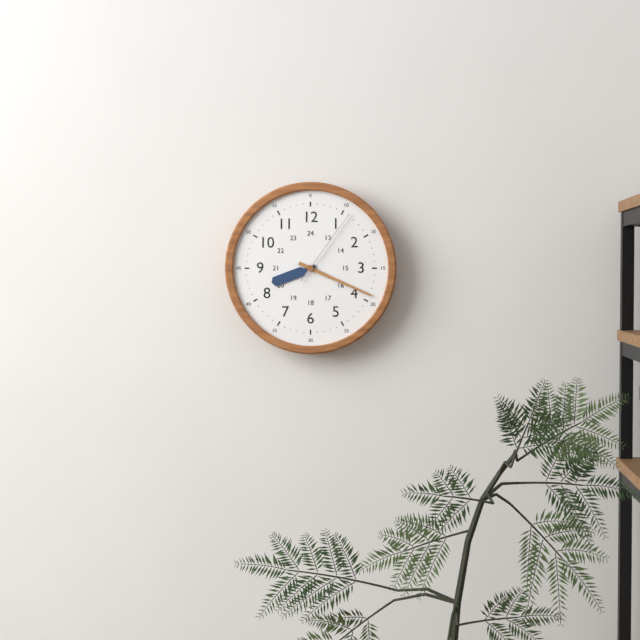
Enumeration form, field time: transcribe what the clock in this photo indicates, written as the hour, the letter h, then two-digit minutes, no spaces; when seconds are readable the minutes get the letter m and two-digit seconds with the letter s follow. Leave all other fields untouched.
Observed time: 8h19m06s
